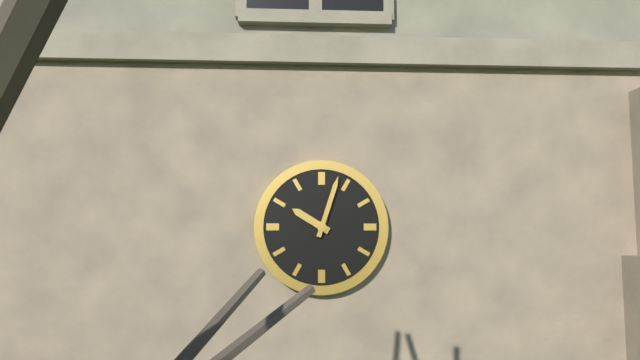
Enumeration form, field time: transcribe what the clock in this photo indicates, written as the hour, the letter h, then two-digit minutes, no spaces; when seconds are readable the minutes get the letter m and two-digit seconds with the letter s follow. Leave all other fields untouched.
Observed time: 10h03
